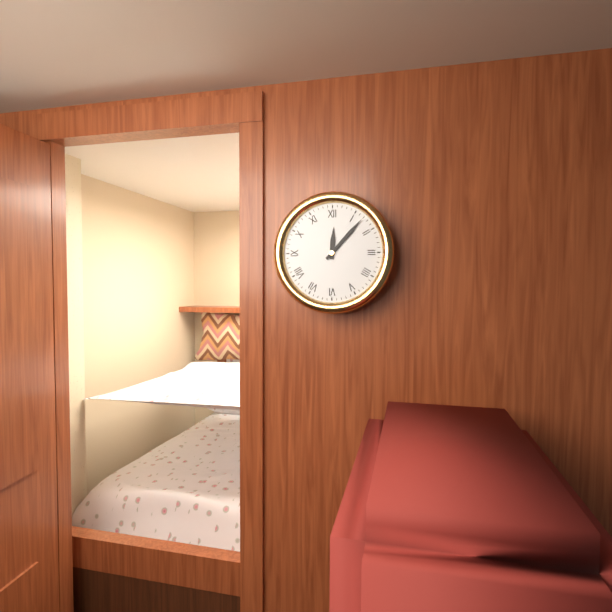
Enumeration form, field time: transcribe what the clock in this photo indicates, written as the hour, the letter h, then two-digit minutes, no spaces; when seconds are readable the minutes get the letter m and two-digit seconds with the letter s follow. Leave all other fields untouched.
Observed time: 12h07
